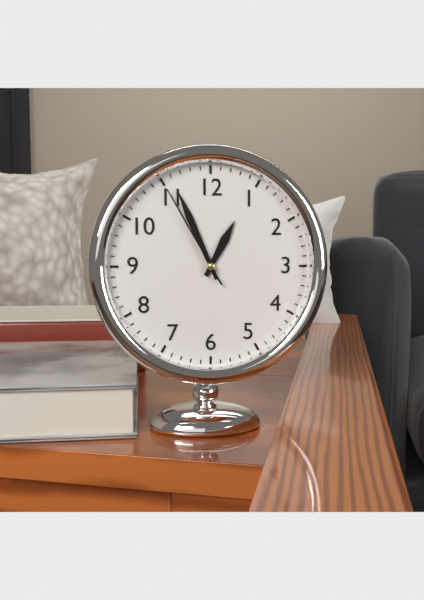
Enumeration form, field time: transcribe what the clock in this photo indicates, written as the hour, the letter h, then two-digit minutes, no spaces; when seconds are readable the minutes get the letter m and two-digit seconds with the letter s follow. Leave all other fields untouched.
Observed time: 12h56m55s
